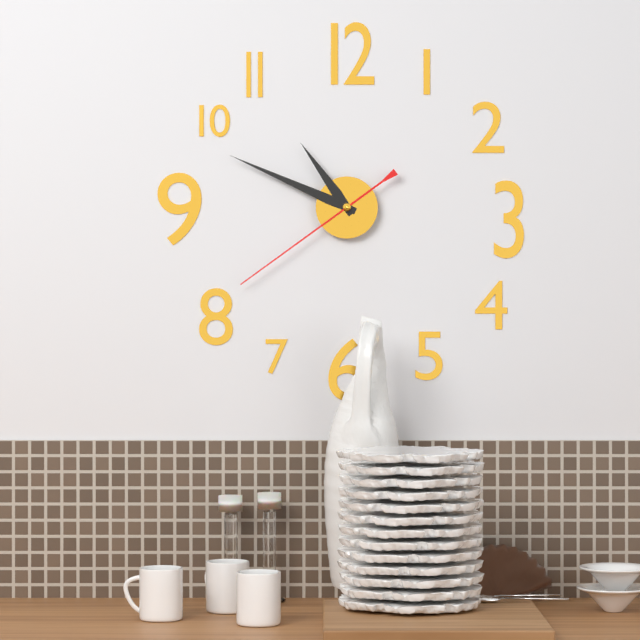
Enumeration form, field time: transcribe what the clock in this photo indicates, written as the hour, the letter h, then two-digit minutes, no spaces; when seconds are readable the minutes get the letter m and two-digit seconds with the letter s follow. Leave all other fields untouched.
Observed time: 10h49m39s
